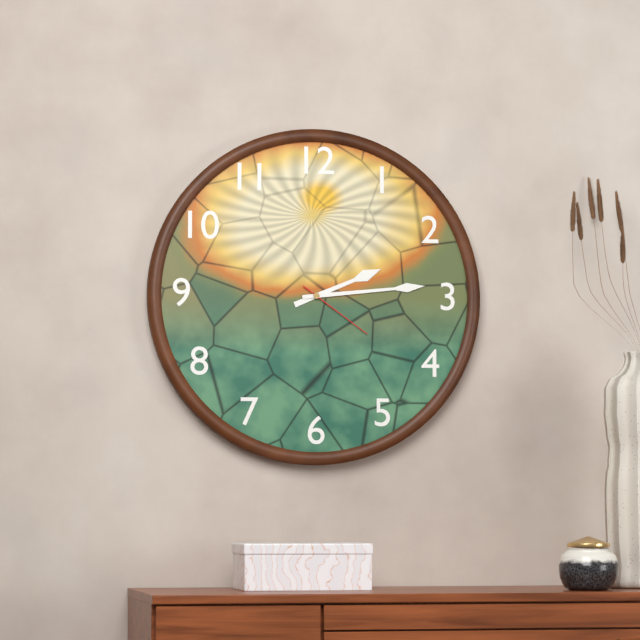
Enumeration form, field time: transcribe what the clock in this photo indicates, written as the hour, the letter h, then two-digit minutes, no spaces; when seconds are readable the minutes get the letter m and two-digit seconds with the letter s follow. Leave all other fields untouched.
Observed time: 2h14m21s
